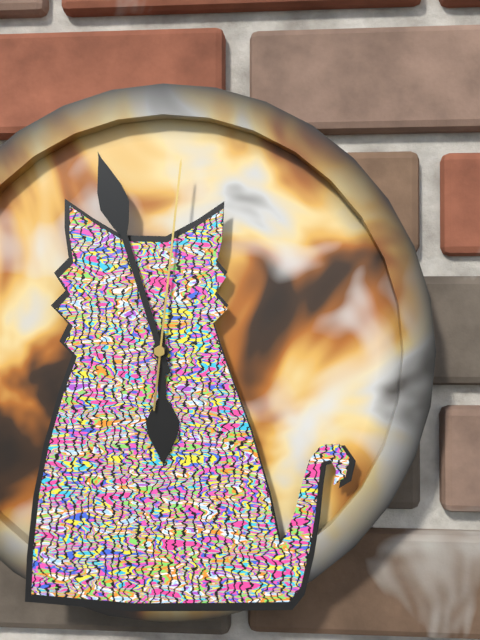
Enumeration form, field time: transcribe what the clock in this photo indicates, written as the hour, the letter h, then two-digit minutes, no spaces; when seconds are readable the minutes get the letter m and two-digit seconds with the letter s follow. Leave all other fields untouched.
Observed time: 5h57m01s
